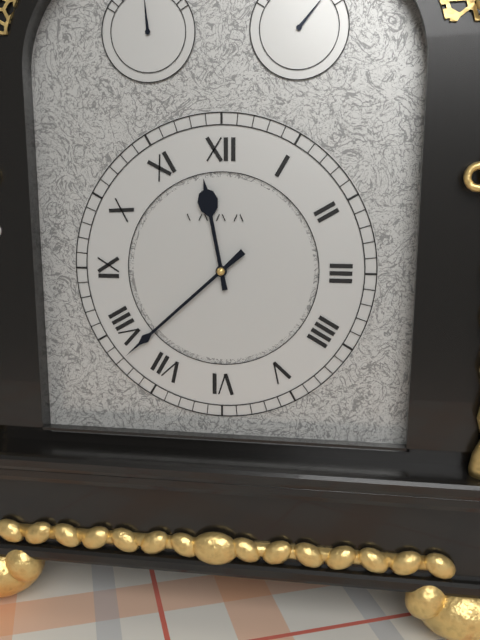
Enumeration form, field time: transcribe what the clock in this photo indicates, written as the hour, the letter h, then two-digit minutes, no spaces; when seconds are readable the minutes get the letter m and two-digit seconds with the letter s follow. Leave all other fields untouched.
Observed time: 11h38
